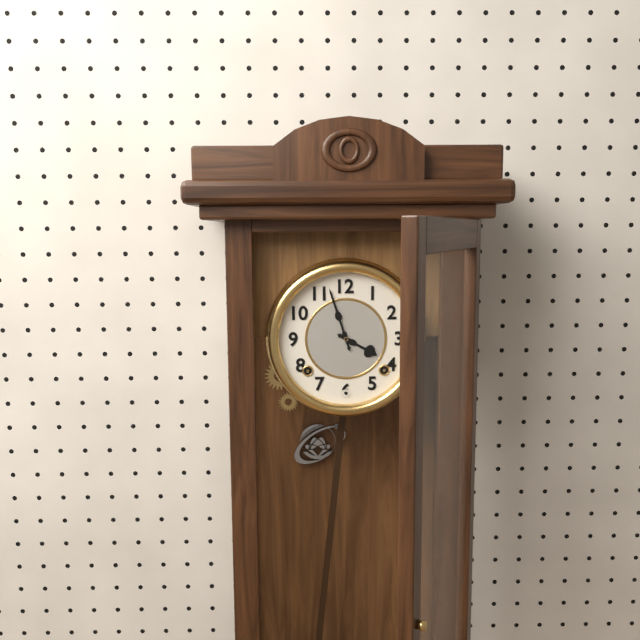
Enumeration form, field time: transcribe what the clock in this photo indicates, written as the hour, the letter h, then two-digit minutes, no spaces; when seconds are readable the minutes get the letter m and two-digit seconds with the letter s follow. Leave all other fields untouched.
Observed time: 3h57
